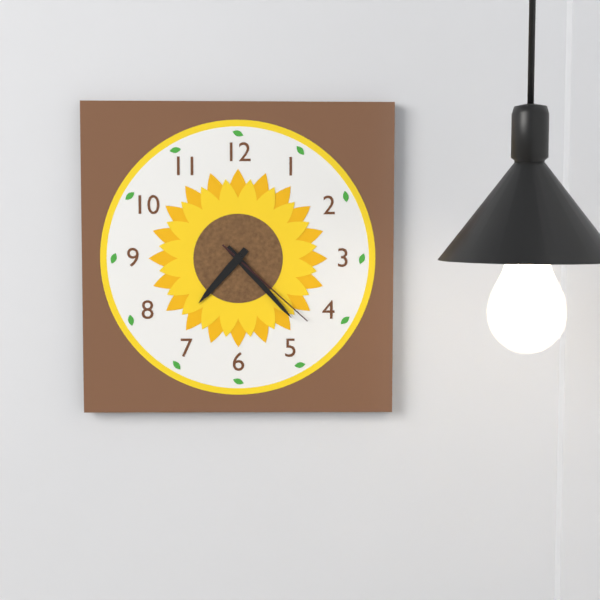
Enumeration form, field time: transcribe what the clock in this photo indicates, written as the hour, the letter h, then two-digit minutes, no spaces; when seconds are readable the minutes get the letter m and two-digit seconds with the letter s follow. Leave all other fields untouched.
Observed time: 7h23m22s
